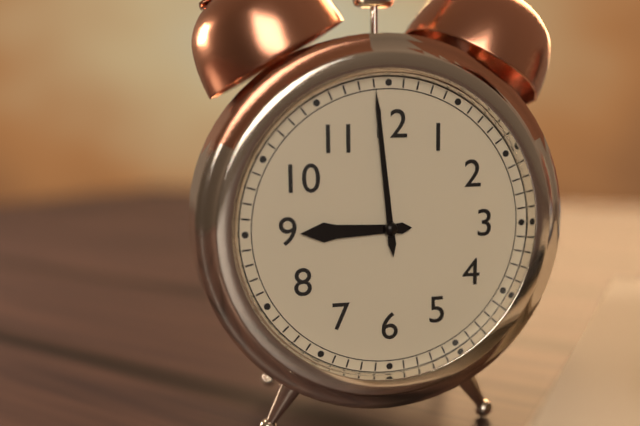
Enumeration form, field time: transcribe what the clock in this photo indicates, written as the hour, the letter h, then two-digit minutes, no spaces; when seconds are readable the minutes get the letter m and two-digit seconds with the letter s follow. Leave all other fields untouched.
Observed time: 8h59
